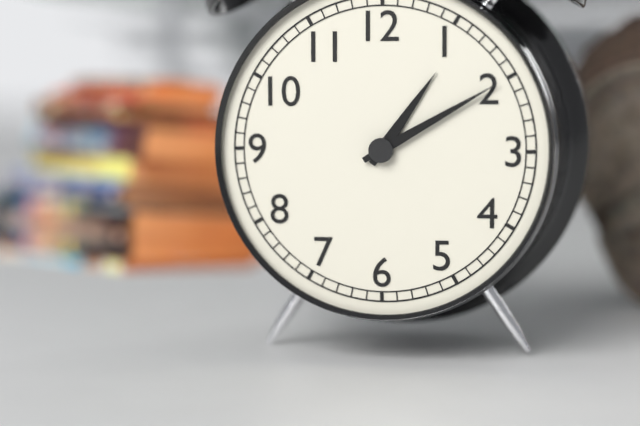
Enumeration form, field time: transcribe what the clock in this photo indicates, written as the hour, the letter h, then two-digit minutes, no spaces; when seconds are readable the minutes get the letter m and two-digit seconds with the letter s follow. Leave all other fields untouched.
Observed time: 1h10
